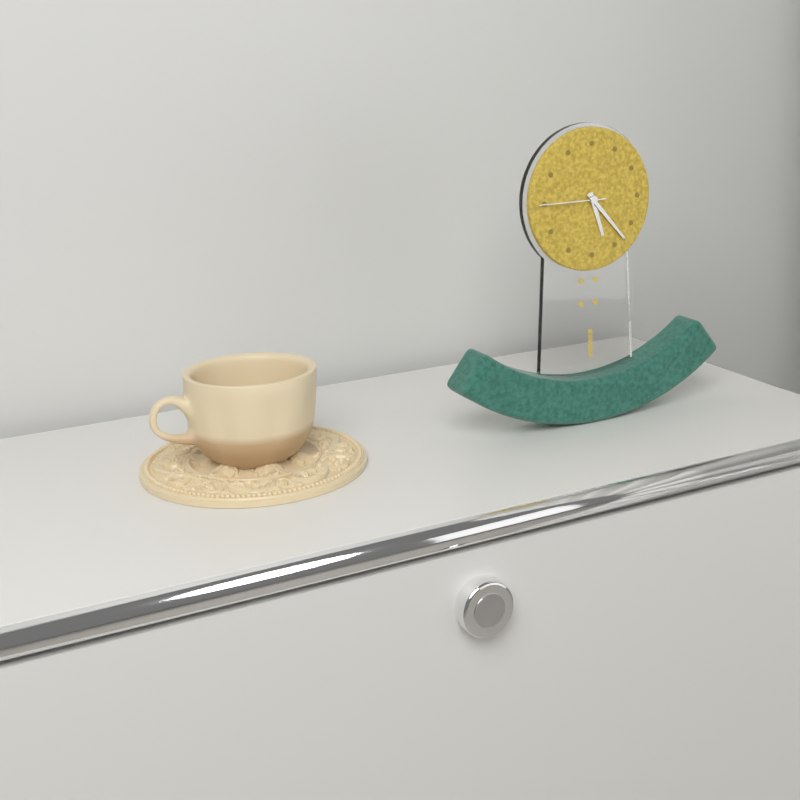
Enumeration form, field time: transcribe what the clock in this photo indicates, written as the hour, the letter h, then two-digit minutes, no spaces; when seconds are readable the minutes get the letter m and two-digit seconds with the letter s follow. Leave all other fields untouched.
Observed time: 5h23m45s
